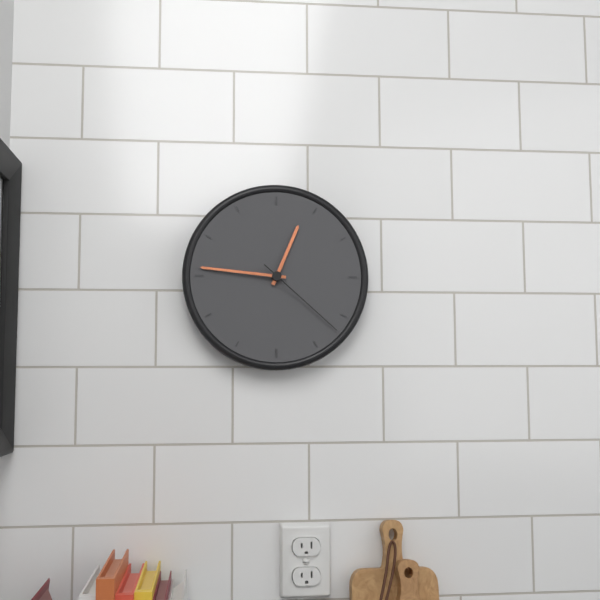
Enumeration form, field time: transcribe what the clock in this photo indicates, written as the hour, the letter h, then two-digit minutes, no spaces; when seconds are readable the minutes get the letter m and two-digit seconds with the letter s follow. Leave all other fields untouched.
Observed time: 12h46m22s
